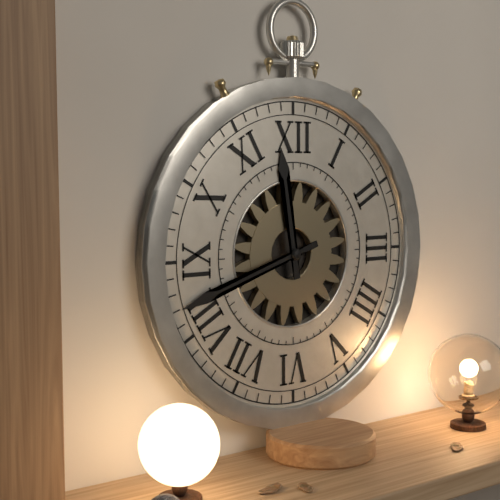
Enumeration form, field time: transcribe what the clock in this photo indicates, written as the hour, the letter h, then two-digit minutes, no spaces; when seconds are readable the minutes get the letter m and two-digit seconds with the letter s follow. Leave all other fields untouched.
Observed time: 11h42
